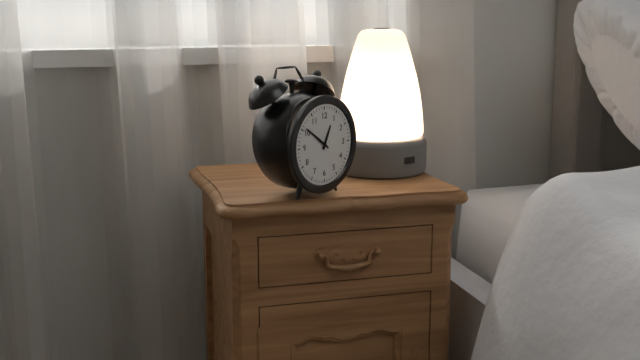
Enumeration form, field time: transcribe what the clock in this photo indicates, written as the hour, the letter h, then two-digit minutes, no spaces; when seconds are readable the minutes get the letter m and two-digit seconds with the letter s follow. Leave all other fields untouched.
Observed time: 12h51
